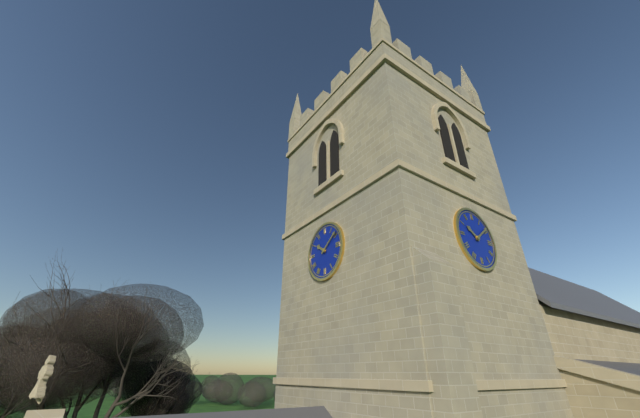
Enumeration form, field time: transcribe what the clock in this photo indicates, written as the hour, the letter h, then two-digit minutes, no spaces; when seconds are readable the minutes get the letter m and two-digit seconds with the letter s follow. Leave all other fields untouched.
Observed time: 10h09
